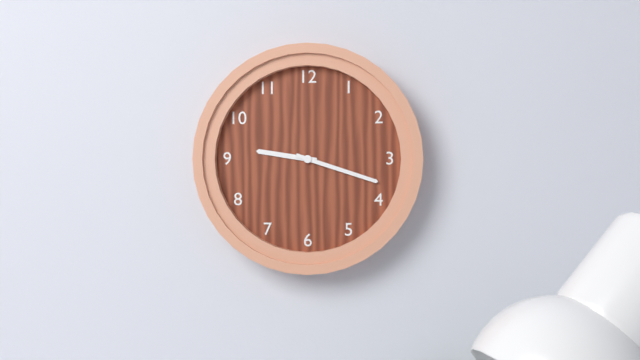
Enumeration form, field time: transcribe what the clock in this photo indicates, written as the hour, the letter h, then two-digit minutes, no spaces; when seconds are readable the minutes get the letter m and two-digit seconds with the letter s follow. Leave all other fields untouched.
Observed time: 9h18
